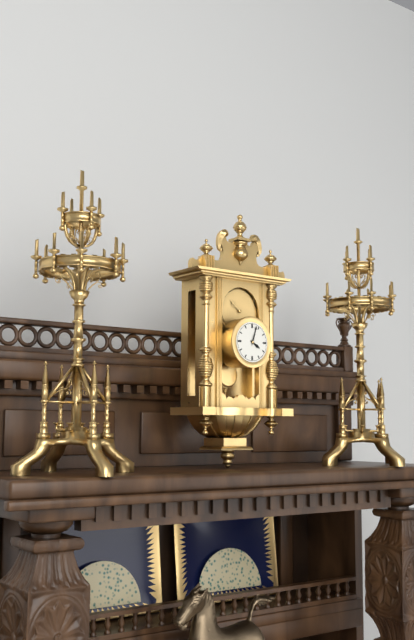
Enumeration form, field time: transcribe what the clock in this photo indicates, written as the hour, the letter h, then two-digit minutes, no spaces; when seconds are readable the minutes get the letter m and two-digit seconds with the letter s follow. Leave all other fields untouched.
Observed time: 4h03
